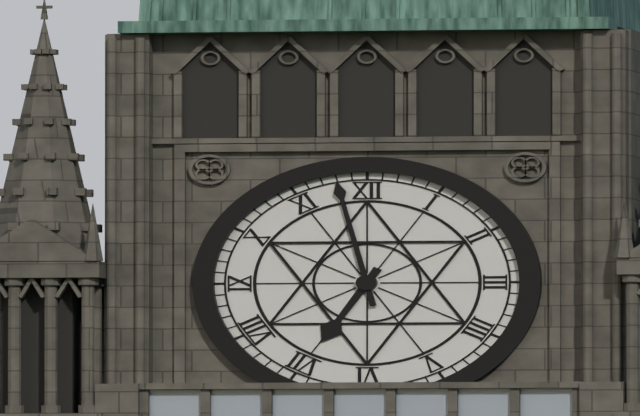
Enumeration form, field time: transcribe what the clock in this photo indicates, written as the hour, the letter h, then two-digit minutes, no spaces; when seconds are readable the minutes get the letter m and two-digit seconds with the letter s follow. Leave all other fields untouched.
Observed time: 6h58
